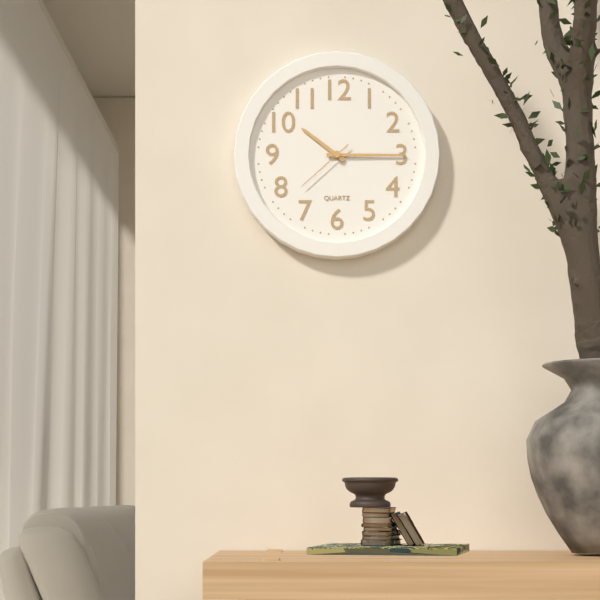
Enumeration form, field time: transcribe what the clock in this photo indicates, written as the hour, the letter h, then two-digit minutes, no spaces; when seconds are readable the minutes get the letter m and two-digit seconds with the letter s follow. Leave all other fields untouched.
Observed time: 10h15m38s
